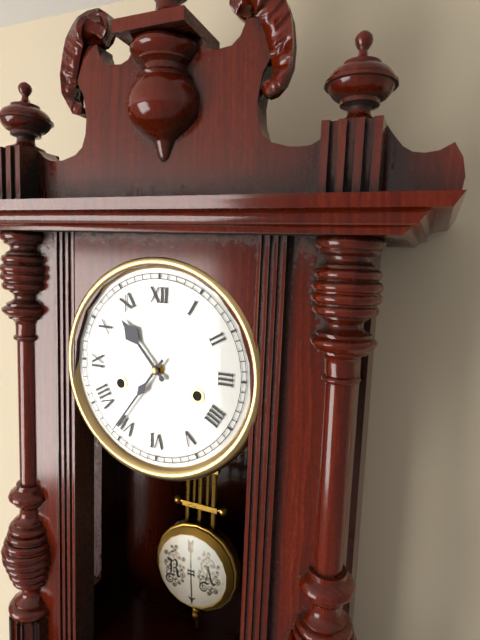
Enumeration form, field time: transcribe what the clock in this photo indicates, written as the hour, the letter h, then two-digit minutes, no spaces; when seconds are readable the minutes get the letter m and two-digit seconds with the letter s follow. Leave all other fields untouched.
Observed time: 10h36
